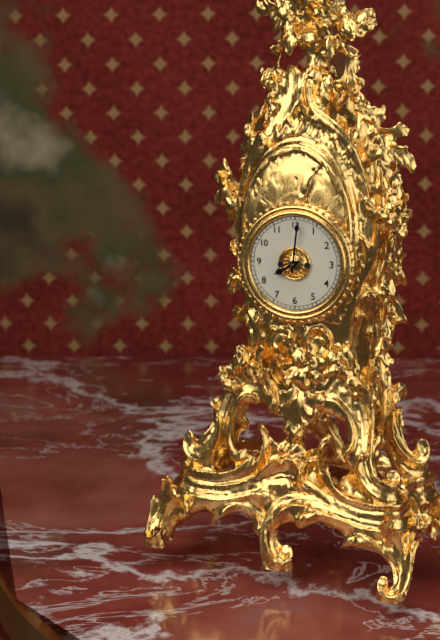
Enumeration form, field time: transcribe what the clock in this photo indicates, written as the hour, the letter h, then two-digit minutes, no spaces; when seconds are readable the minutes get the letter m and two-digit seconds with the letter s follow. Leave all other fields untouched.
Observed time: 8h01
